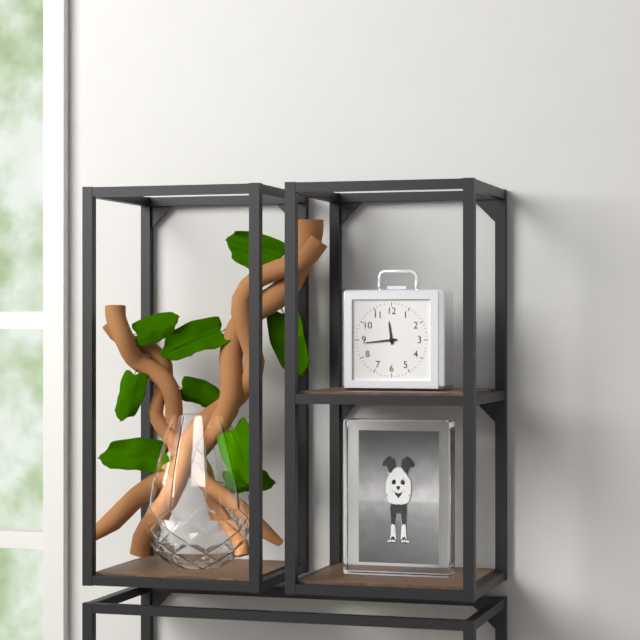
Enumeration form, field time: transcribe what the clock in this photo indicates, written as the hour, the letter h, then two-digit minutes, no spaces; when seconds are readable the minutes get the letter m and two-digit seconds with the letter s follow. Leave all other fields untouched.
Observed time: 11h44
